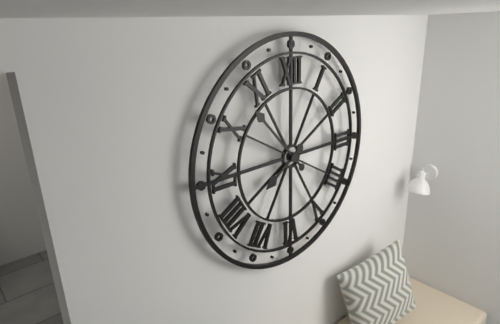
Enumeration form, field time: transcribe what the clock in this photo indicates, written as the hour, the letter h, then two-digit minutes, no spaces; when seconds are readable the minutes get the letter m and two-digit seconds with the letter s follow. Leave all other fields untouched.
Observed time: 7h53
